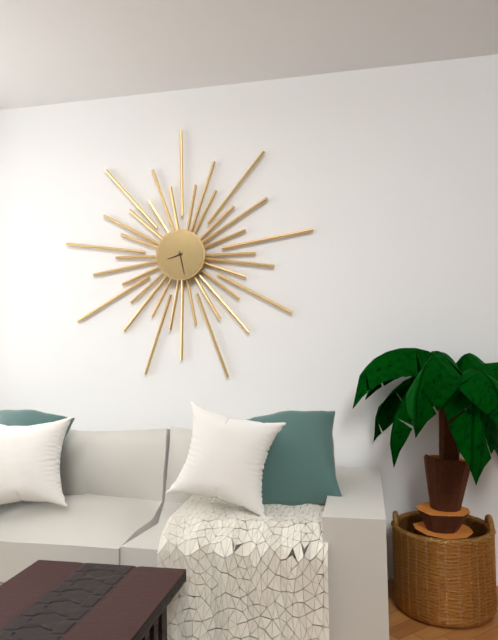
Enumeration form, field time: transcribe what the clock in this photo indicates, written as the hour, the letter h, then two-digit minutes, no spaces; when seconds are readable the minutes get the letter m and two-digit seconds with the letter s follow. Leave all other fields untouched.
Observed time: 8h28
